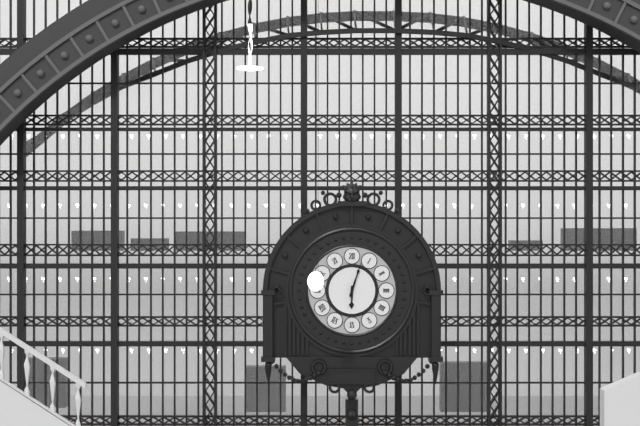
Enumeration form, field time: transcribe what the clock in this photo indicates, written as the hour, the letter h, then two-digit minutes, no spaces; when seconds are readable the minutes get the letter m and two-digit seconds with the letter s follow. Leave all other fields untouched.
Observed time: 6h03
